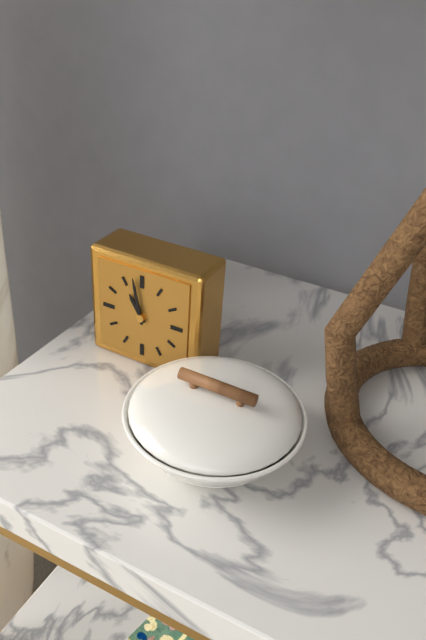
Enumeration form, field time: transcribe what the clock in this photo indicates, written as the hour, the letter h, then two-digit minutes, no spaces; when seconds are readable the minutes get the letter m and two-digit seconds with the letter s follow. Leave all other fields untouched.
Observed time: 10h58
